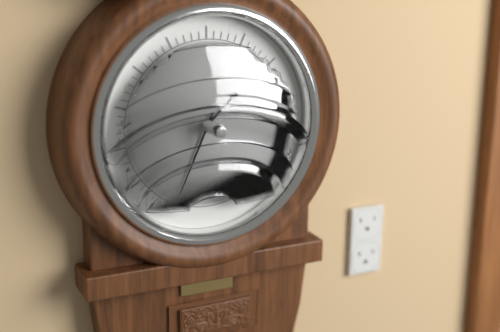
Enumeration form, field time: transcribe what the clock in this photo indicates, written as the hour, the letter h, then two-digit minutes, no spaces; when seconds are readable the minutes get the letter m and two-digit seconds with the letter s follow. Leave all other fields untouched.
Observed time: 1h34
